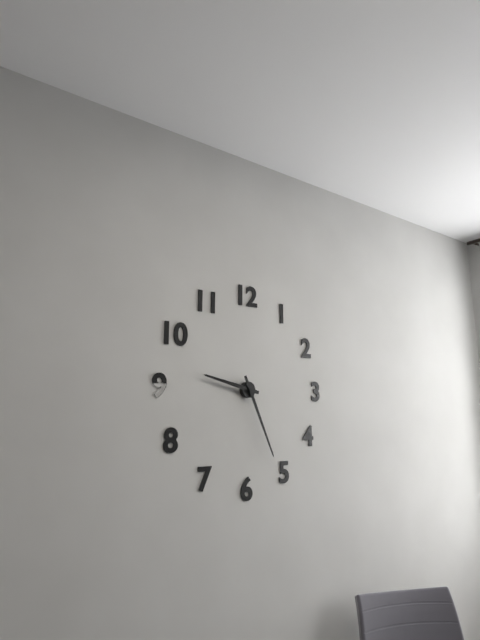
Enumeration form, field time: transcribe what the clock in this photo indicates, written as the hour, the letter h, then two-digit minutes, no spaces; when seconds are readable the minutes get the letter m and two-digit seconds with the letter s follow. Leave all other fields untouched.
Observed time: 9h26
